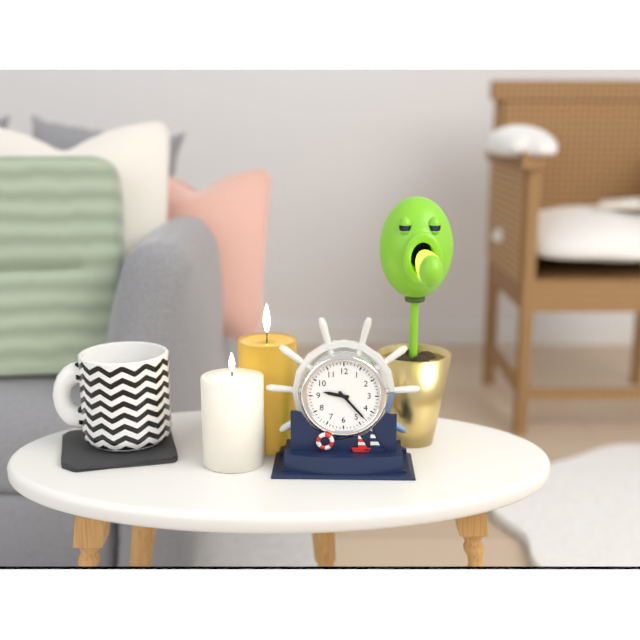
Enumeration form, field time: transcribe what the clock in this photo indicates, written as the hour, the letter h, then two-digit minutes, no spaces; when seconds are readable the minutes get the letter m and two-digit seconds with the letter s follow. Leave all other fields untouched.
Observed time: 9h23
